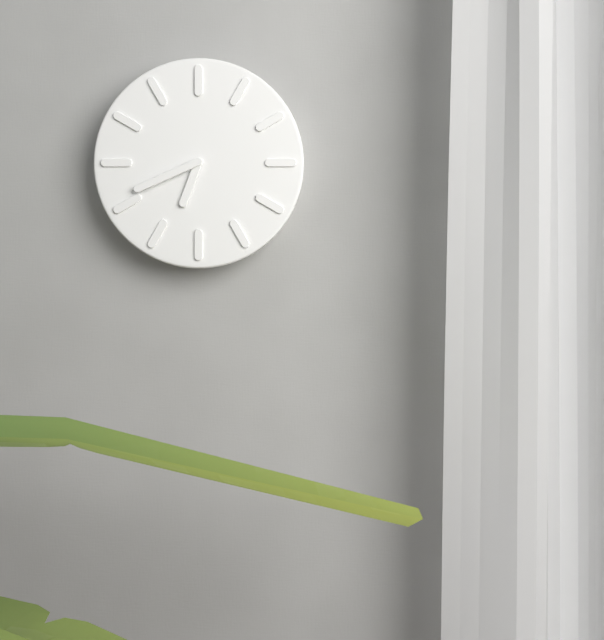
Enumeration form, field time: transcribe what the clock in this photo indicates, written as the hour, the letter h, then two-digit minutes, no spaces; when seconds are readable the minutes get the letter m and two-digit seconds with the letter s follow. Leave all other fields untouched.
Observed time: 6h41
